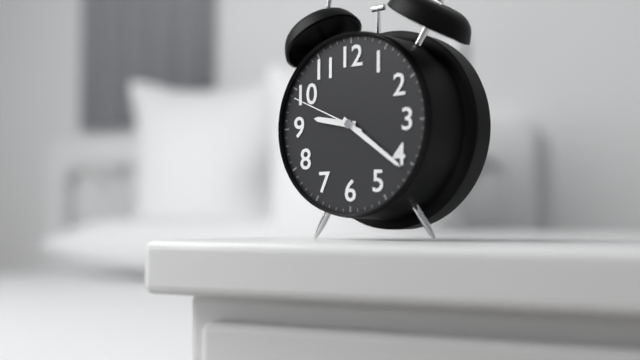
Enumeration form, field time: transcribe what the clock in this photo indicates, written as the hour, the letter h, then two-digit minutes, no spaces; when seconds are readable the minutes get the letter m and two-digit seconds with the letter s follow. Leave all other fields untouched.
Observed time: 9h21m49s
